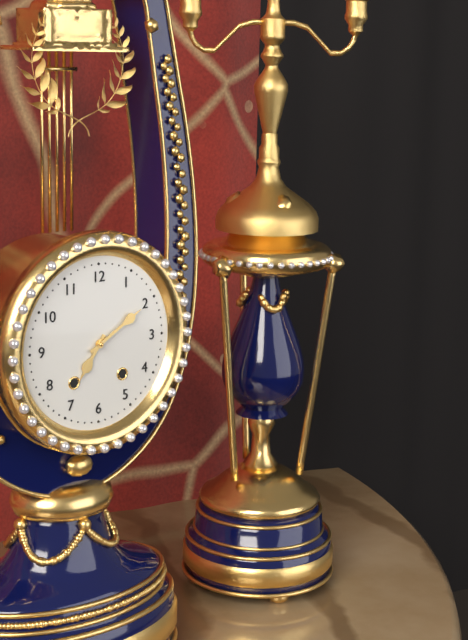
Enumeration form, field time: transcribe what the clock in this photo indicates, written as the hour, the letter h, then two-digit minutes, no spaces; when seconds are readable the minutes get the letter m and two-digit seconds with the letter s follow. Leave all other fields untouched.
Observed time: 7h10
